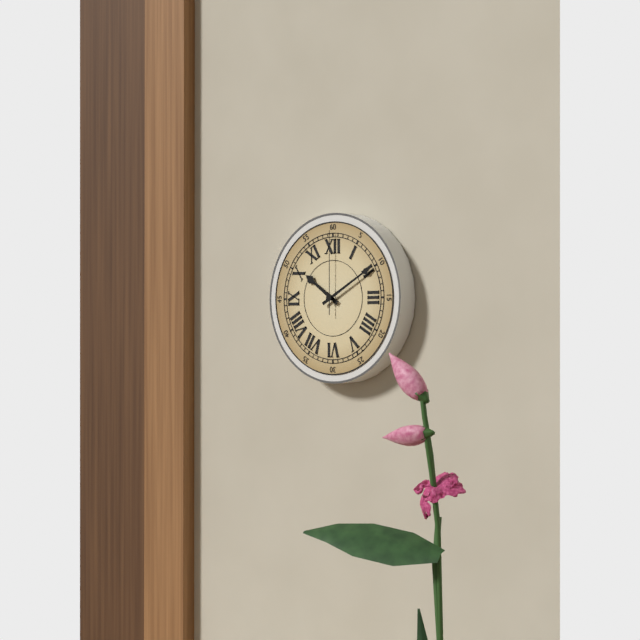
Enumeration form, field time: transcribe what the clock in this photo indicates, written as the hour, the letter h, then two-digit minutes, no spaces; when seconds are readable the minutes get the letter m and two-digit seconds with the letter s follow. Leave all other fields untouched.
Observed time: 10h10m00s
